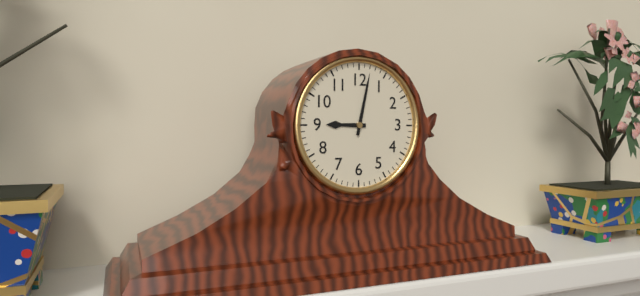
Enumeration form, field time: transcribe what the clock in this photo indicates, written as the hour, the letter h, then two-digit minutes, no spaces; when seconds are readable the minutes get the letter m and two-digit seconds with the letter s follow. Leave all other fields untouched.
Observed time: 9h02
